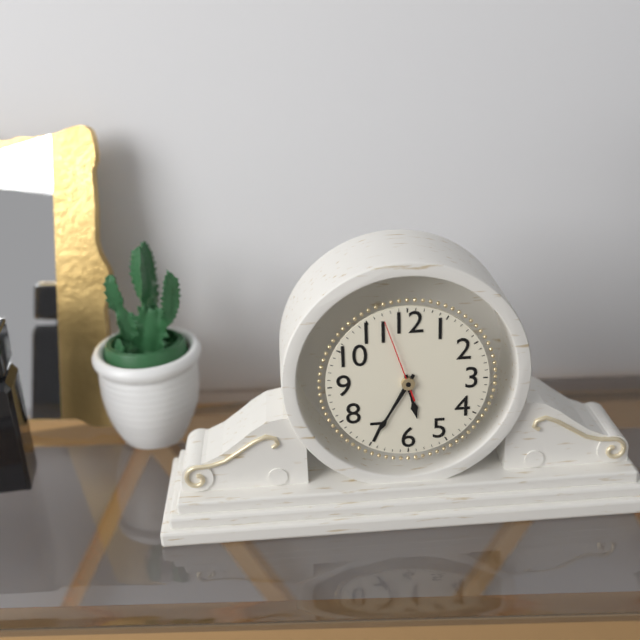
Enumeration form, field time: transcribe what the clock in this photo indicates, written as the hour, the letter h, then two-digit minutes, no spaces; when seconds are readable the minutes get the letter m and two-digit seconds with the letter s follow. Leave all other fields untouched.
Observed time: 5h35m57s
